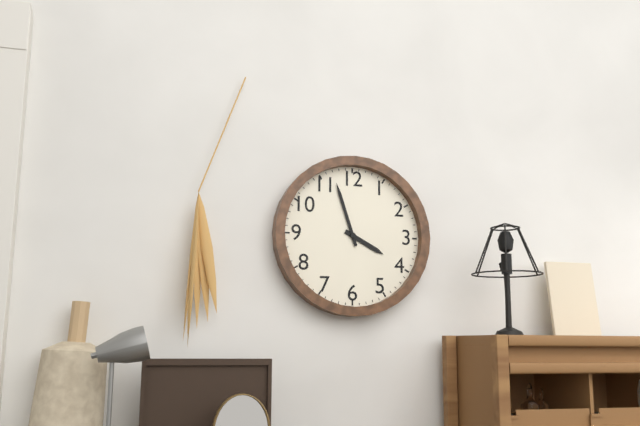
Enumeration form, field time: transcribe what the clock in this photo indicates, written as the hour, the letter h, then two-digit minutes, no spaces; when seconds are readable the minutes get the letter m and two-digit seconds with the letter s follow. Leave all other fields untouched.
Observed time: 3h57
